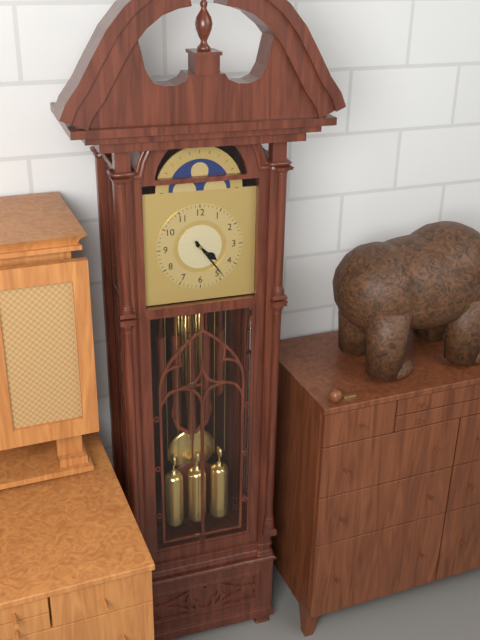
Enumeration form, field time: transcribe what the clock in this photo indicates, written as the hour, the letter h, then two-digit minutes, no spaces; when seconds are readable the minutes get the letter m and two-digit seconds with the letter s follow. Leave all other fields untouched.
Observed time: 4h24
